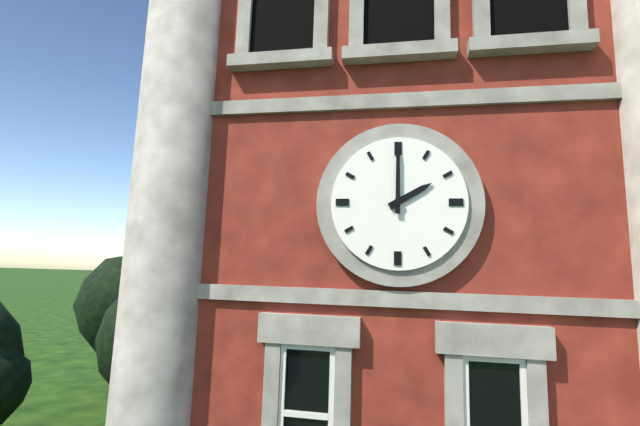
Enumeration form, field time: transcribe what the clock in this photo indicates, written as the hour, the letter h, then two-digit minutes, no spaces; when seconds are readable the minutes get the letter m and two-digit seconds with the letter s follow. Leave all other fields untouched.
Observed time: 2h00
